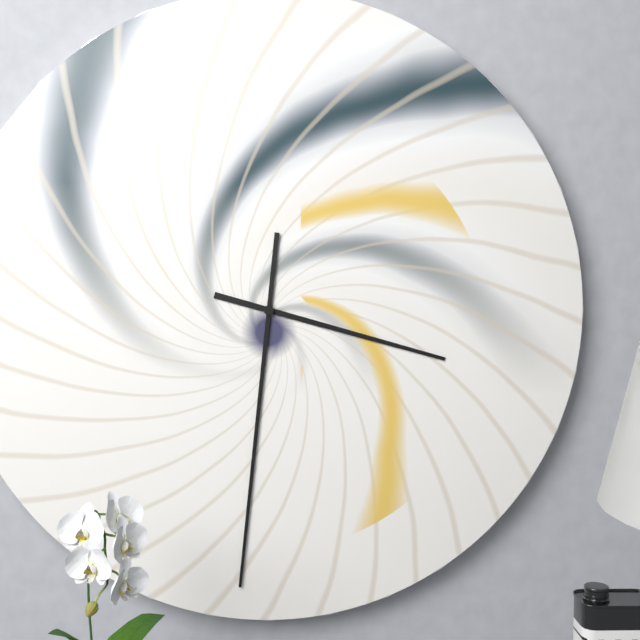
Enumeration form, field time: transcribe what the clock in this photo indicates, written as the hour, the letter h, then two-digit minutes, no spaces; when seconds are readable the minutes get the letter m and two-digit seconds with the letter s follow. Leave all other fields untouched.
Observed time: 3h31
